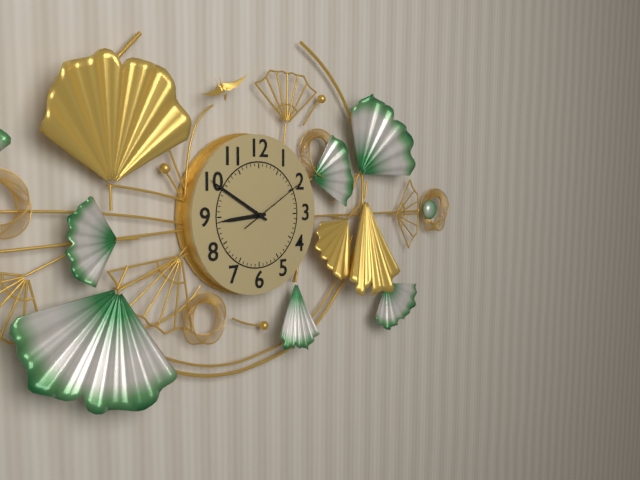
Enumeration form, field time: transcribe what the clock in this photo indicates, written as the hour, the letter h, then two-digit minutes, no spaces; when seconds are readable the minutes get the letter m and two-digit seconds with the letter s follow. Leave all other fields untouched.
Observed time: 8h50m10s
